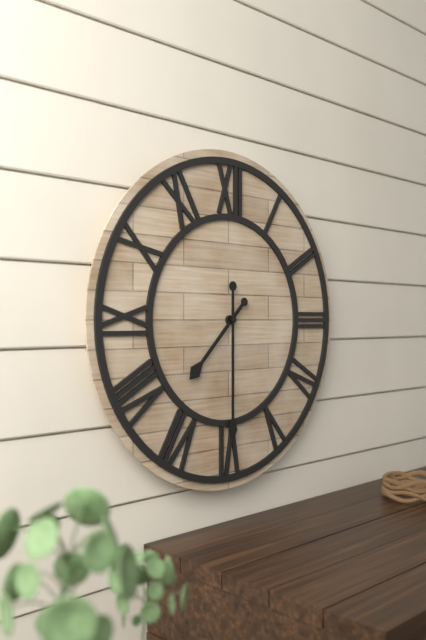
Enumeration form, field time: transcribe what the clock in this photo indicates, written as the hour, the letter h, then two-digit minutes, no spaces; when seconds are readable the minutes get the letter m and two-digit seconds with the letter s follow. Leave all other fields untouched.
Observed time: 7h30
